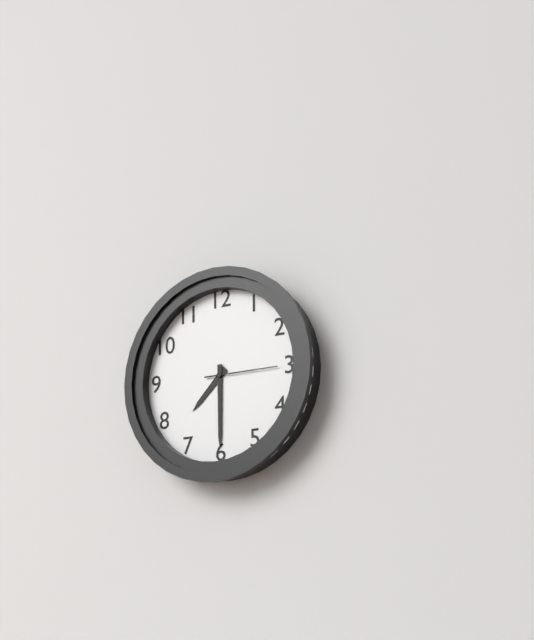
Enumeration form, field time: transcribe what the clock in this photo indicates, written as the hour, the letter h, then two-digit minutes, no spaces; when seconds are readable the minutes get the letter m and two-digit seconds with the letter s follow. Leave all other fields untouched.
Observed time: 7h30m15s
